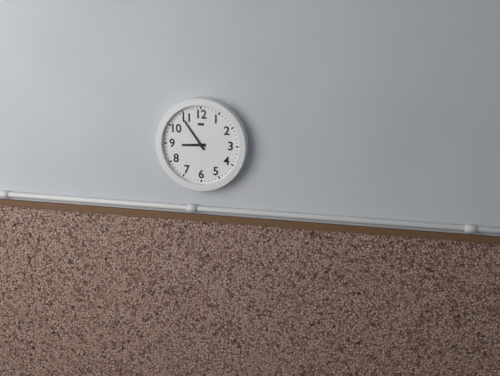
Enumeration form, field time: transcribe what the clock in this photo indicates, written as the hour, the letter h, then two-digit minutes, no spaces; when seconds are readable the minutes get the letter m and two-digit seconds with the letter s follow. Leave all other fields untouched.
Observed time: 8h54
